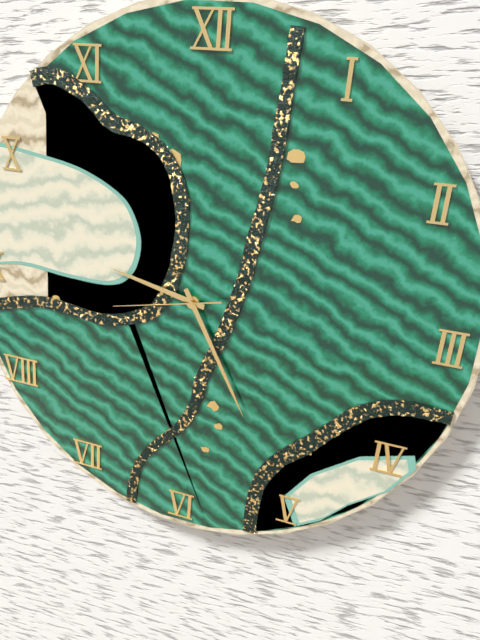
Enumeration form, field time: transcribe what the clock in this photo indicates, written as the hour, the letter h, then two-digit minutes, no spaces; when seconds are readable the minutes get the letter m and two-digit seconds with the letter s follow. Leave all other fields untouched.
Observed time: 9h25m43s
